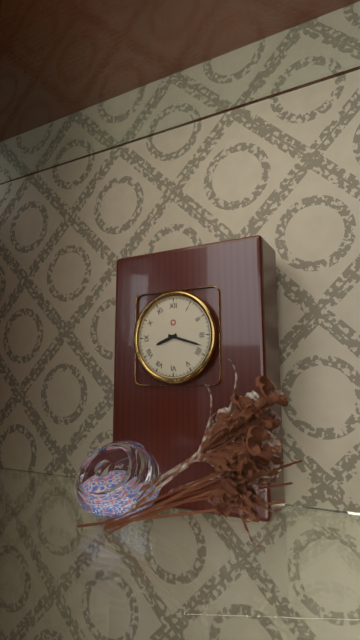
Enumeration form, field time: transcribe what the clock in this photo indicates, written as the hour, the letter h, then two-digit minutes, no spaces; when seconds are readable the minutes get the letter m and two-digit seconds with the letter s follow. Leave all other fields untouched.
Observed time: 8h18
